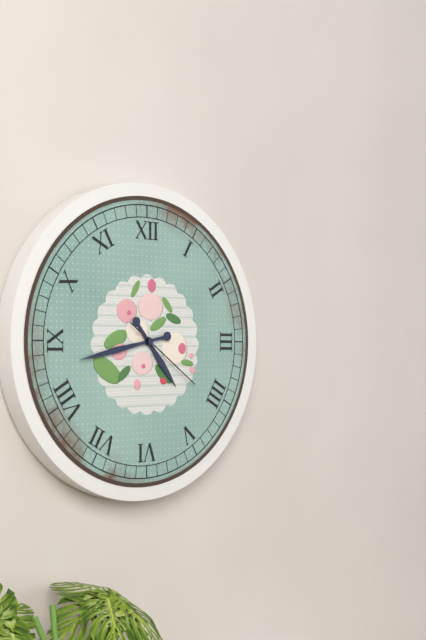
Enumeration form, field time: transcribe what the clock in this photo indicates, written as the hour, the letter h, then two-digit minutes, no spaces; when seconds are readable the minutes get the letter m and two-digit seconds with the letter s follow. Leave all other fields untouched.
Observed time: 4h43m21s
